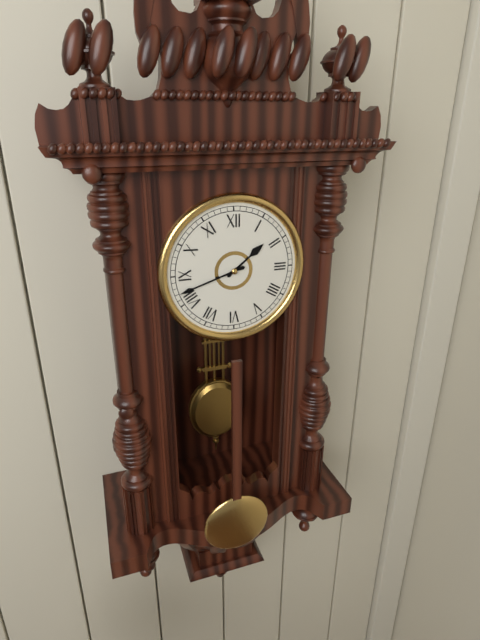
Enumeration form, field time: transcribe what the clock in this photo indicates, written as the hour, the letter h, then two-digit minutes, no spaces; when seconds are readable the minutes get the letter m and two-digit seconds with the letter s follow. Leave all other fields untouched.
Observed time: 1h42
